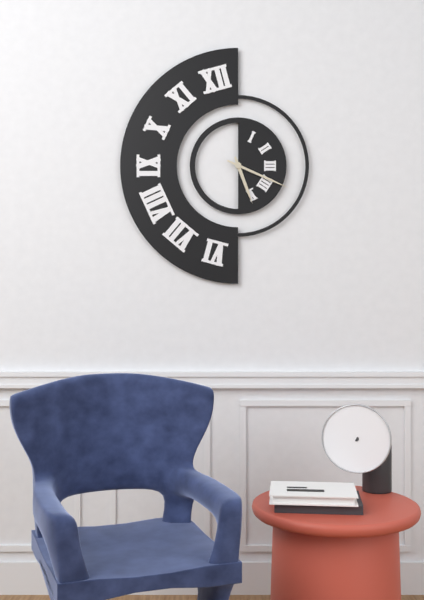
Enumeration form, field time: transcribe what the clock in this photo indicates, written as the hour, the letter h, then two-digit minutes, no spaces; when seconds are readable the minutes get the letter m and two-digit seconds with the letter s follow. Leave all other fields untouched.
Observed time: 5h19
